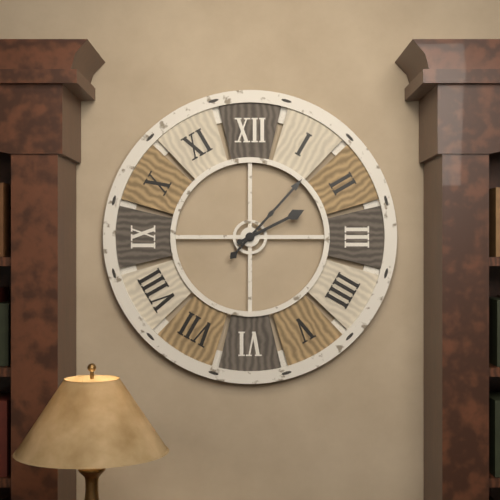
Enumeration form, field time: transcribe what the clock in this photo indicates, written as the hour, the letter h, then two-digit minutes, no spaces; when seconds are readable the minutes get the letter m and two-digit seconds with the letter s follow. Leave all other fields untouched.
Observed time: 2h07
